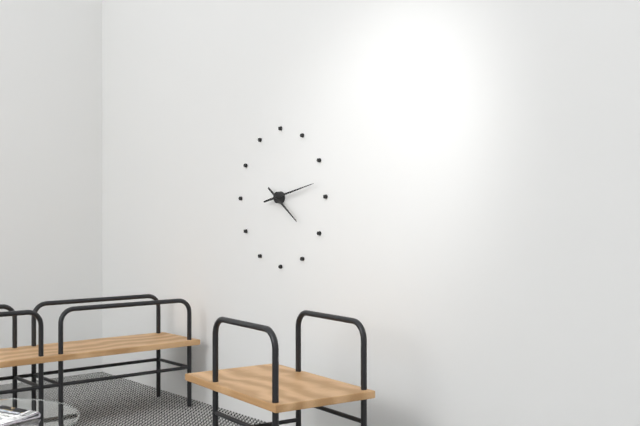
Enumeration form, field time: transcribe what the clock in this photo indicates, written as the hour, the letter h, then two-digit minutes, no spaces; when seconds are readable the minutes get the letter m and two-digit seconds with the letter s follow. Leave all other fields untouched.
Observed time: 4h13
